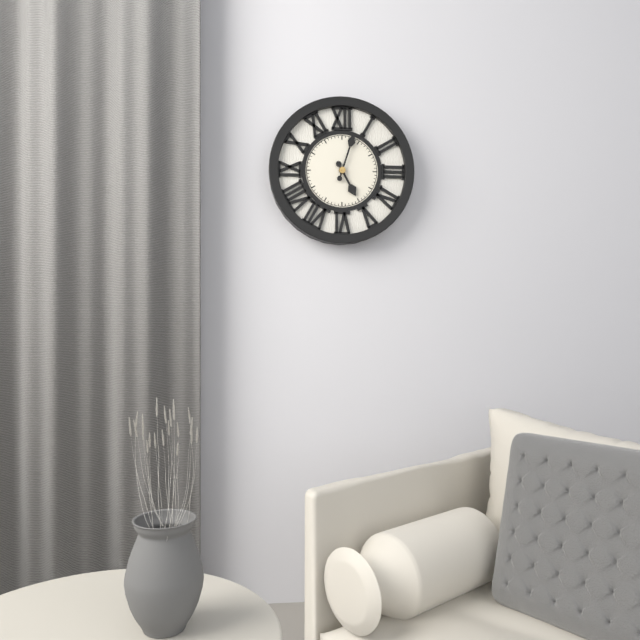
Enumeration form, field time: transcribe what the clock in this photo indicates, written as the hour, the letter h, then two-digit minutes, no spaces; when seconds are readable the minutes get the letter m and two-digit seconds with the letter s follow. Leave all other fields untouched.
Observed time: 5h03
